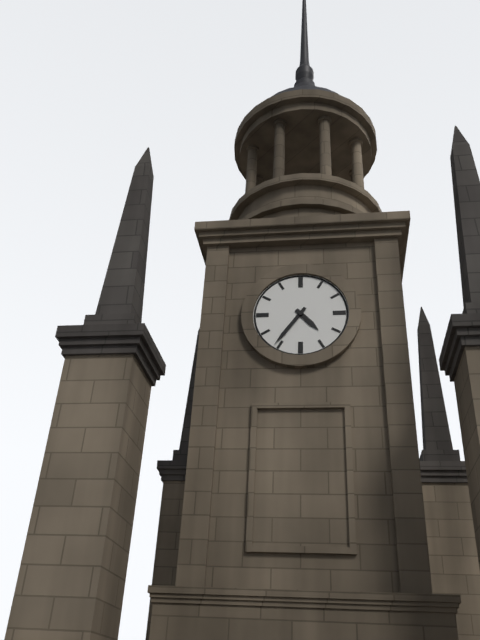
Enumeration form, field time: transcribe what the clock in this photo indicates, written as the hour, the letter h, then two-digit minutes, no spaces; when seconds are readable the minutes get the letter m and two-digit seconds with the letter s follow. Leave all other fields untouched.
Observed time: 4h36
